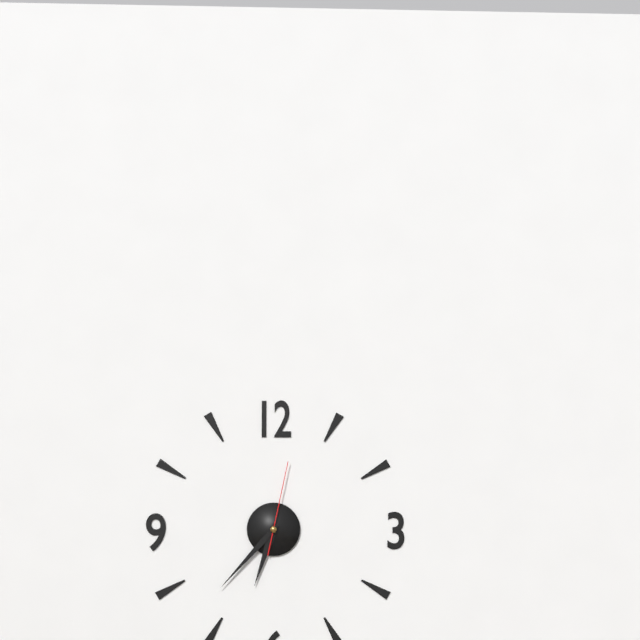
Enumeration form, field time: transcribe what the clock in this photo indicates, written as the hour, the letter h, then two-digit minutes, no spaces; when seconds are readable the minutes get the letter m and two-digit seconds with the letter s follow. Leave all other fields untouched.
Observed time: 6h37m02s
